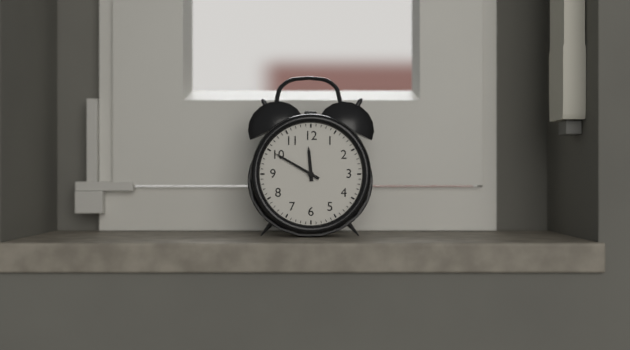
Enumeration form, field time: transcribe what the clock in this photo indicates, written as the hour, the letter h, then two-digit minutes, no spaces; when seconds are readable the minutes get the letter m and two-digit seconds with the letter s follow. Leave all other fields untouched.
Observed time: 11h50
